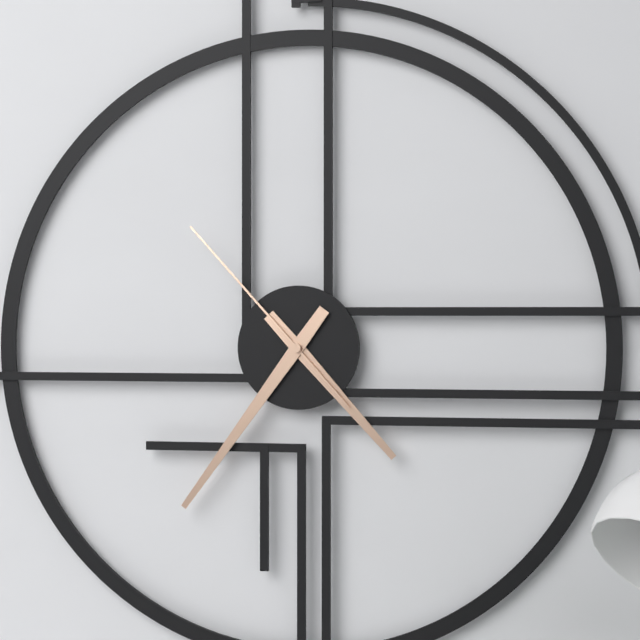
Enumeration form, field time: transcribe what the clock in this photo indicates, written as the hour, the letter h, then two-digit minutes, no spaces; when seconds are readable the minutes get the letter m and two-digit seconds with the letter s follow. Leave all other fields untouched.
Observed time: 4h36m53s
